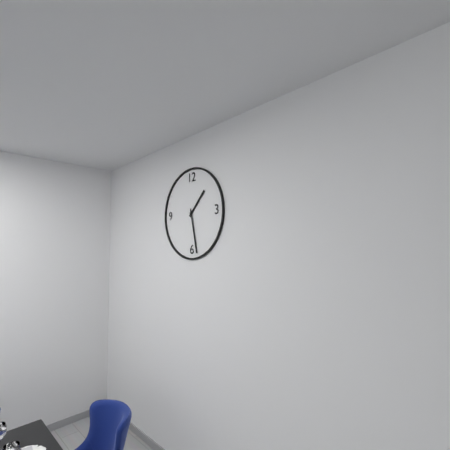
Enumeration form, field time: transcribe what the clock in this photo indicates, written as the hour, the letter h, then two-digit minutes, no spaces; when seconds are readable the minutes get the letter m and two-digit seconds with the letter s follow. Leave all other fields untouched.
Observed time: 1h28
